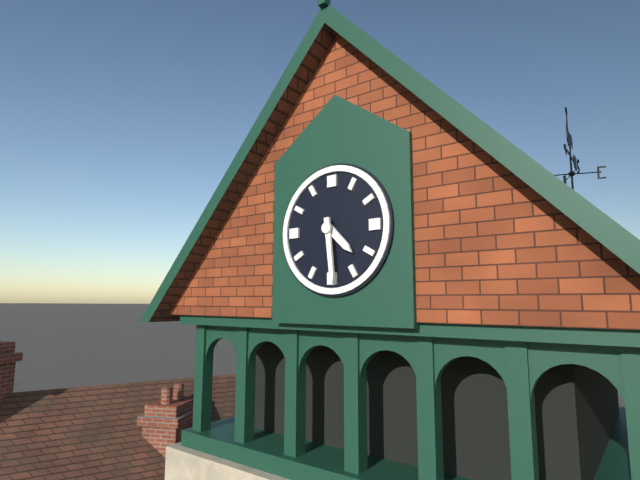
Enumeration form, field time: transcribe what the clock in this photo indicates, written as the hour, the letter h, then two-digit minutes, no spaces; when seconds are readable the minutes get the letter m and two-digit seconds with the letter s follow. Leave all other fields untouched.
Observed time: 4h29
